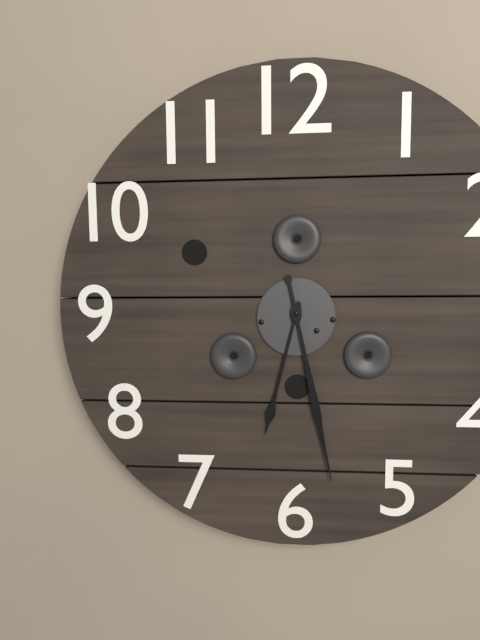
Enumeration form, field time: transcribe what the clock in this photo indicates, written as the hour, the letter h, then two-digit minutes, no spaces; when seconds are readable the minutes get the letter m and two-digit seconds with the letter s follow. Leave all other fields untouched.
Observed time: 6h28
